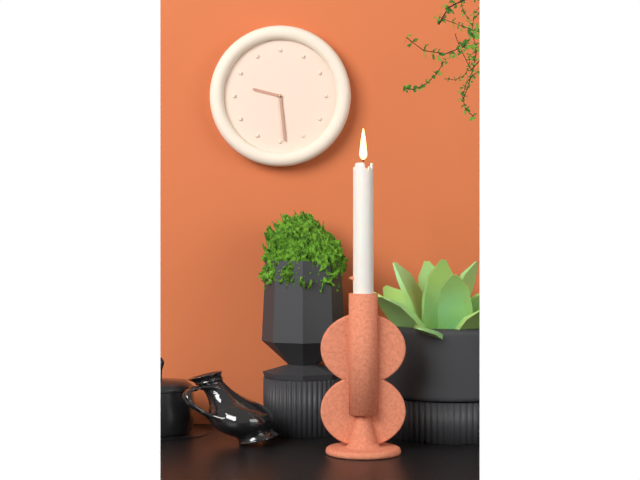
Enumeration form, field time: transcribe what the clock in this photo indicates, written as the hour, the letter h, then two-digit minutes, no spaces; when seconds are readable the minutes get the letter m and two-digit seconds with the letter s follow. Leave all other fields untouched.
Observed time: 9h29
